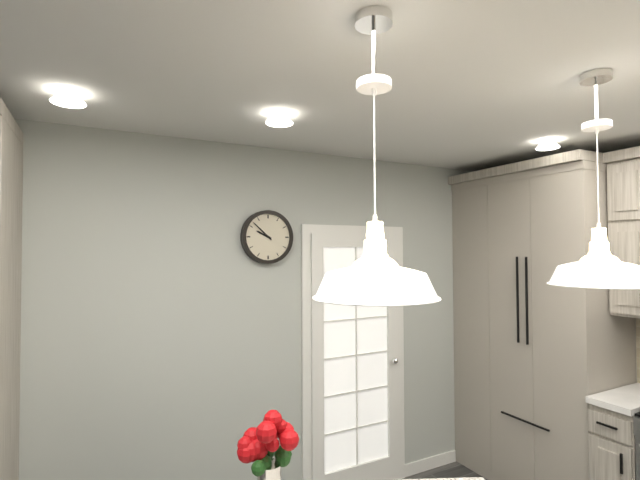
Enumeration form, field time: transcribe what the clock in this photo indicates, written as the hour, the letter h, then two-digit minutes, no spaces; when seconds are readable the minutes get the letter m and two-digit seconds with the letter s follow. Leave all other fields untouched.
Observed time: 9h52
